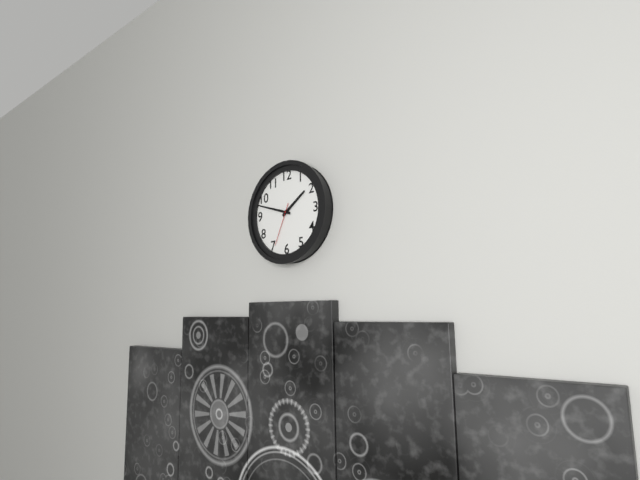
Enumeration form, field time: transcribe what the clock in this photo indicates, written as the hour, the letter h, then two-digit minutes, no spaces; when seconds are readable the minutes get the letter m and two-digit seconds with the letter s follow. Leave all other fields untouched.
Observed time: 1h48
